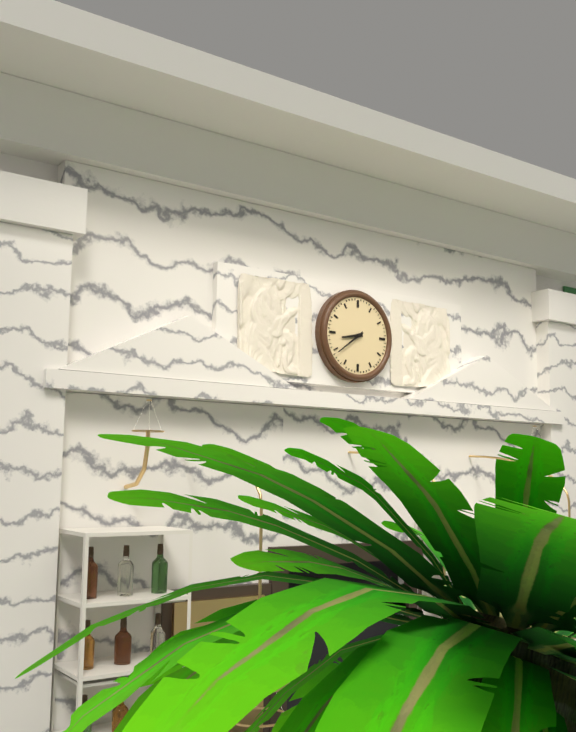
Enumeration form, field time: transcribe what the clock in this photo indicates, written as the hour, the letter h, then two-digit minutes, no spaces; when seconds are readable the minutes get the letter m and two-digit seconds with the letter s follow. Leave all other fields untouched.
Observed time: 8h39
